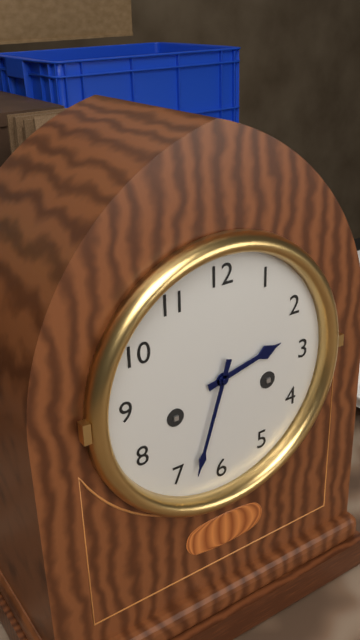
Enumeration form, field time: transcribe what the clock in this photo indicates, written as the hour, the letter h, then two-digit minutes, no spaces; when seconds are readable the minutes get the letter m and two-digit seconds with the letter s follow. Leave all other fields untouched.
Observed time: 2h33
